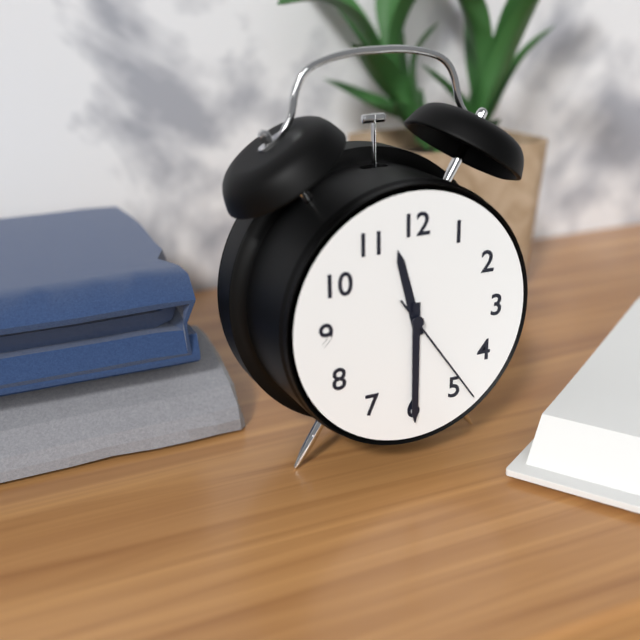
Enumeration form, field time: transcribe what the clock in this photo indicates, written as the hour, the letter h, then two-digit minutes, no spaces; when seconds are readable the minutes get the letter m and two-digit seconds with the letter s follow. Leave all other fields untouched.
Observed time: 11h30m24s
